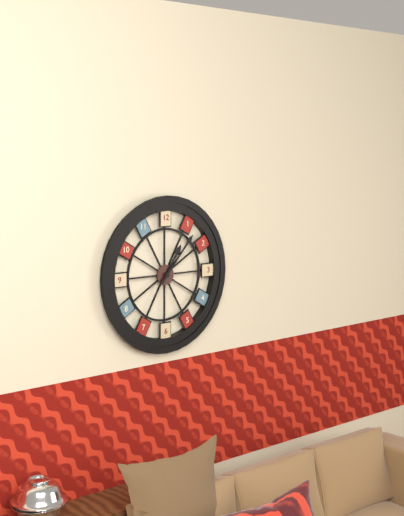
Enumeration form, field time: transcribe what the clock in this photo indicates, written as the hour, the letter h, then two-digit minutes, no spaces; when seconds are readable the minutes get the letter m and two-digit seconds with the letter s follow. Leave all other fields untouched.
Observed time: 1h07
